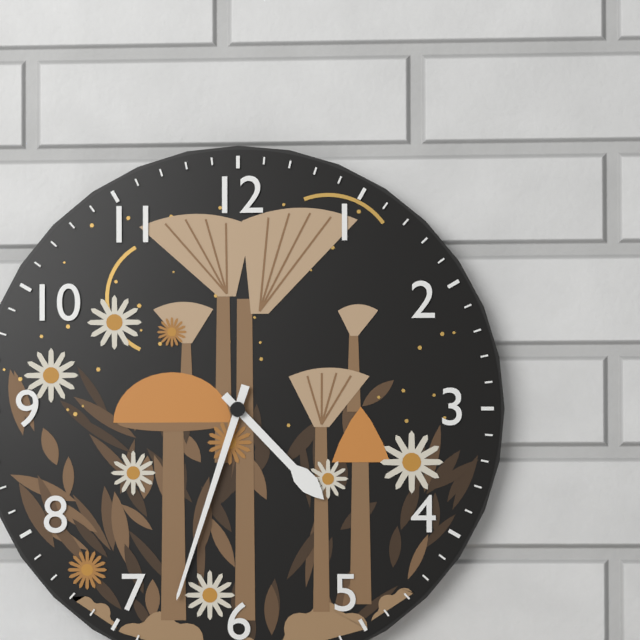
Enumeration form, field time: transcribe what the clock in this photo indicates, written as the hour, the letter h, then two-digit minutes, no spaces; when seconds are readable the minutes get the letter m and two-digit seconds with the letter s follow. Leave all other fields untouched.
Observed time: 4h33
